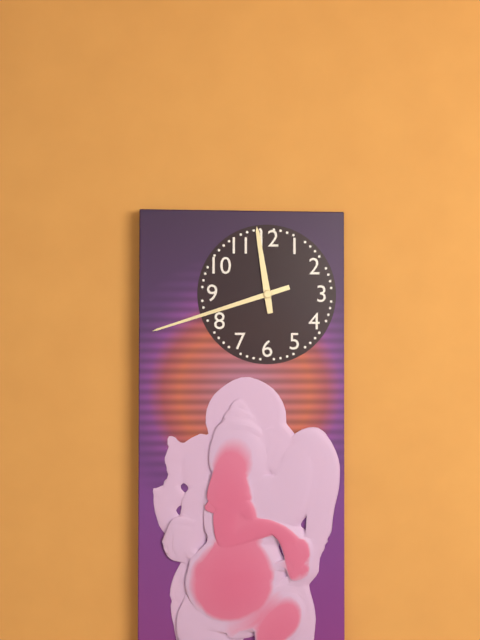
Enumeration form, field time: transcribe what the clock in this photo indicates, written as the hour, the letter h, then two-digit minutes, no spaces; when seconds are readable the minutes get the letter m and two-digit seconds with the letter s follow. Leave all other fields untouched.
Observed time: 11h42
